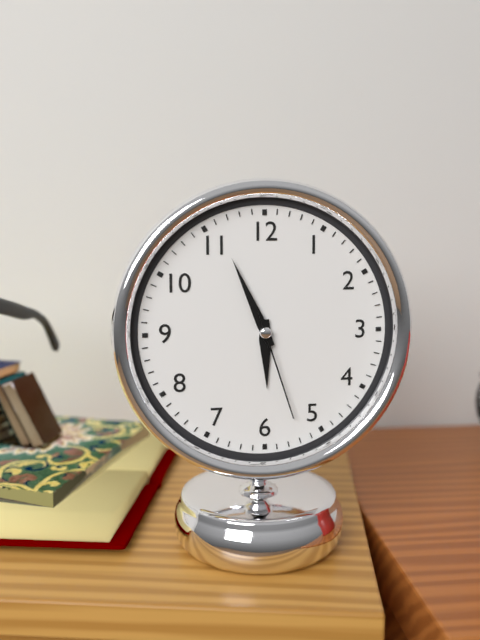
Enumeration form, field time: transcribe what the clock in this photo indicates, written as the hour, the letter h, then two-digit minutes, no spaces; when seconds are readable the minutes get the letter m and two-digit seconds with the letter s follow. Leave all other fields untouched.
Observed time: 5h56m27s
